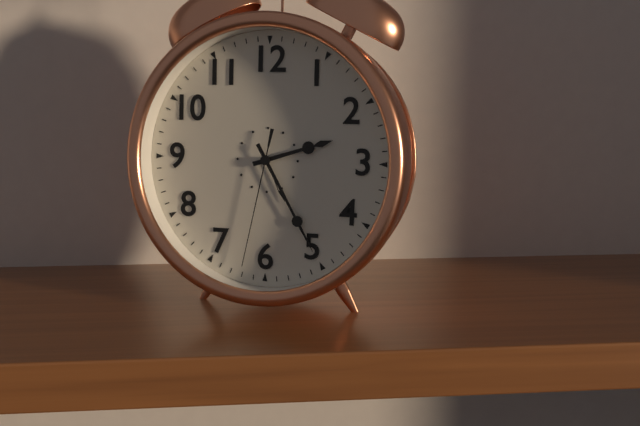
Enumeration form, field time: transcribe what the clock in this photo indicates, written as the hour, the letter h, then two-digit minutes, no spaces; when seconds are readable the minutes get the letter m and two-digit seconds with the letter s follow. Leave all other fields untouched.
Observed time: 2h25m32s
